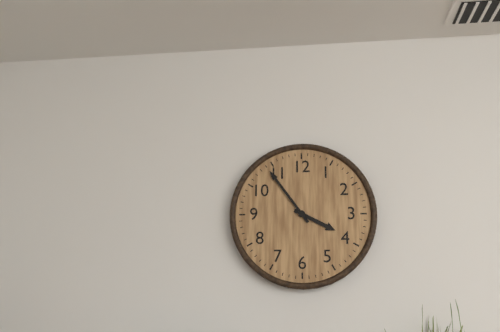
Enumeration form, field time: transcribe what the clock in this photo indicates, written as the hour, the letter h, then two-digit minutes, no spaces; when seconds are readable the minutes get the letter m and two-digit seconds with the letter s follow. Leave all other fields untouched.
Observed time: 3h54
